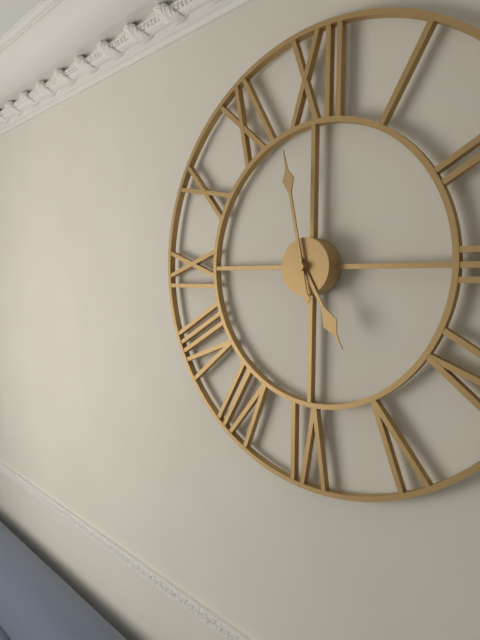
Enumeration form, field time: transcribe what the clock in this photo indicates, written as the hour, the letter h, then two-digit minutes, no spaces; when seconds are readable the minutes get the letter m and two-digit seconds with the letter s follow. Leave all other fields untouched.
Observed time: 4h58
